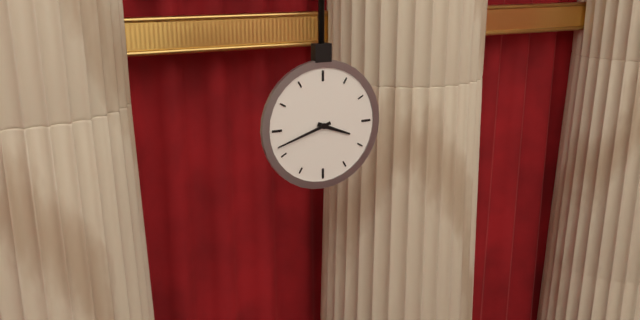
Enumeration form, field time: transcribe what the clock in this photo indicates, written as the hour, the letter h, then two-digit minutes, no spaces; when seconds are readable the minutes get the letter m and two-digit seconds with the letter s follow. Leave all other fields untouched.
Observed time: 3h42
